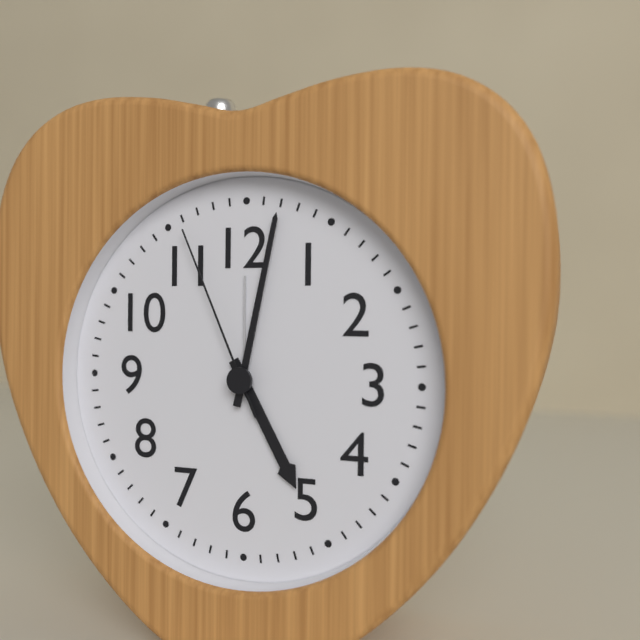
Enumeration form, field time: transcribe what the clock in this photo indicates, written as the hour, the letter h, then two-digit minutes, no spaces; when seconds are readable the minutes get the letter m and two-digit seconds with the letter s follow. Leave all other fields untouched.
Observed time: 5h02m56s
